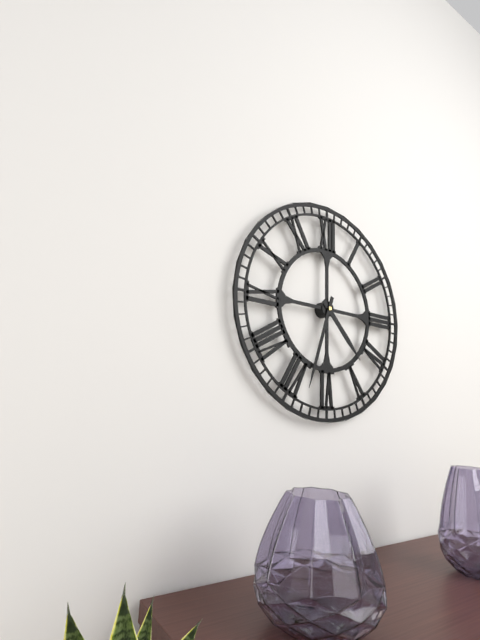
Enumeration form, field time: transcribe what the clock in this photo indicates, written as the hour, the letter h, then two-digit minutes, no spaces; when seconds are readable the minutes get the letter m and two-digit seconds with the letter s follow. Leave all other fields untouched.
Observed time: 4h33
